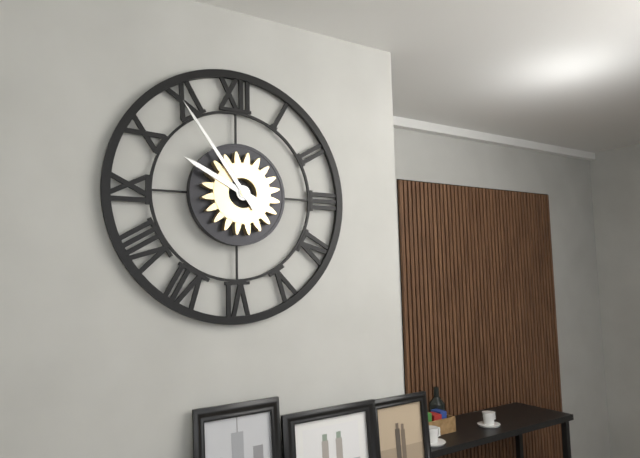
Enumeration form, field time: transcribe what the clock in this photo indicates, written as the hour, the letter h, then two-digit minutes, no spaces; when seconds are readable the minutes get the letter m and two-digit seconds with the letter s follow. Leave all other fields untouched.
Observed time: 9h54
